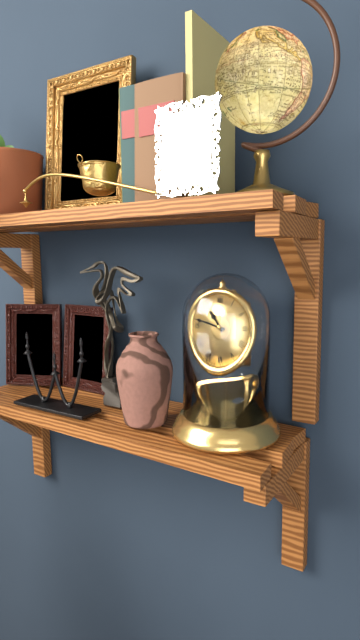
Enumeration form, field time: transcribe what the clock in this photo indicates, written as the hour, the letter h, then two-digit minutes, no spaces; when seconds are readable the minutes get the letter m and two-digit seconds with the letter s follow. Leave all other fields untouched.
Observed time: 10h47
